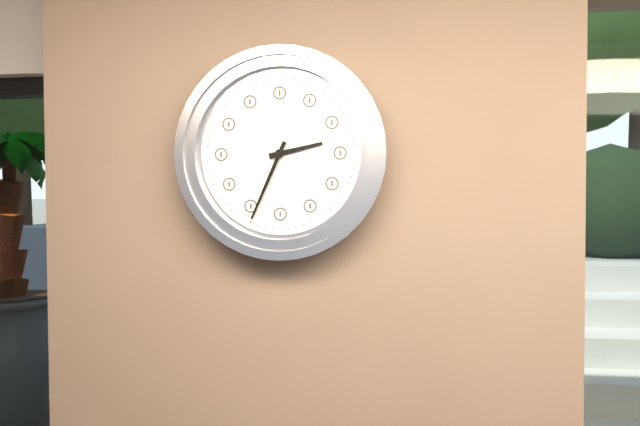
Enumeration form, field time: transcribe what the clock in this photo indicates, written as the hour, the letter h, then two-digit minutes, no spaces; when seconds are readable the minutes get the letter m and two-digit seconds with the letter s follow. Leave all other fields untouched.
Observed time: 2h34
